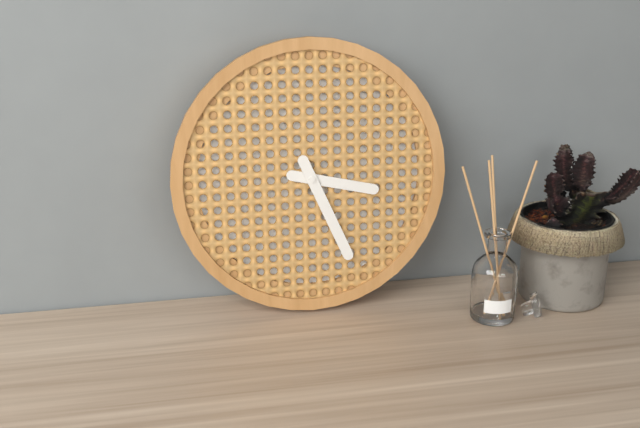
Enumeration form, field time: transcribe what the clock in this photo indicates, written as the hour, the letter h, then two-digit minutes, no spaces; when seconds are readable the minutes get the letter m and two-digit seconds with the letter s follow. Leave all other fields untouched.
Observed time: 3h26
